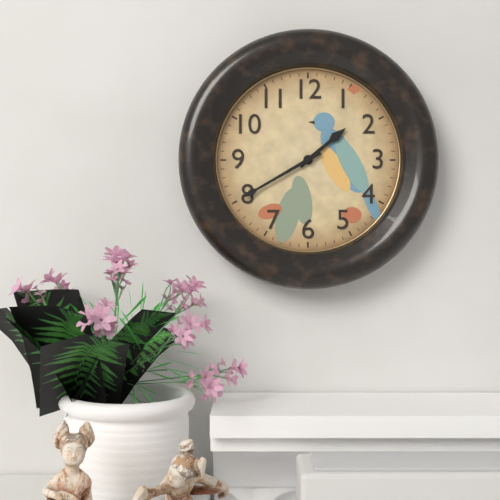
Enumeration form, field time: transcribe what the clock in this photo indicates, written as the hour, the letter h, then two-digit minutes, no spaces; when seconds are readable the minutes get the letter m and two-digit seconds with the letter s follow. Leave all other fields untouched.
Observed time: 1h40
